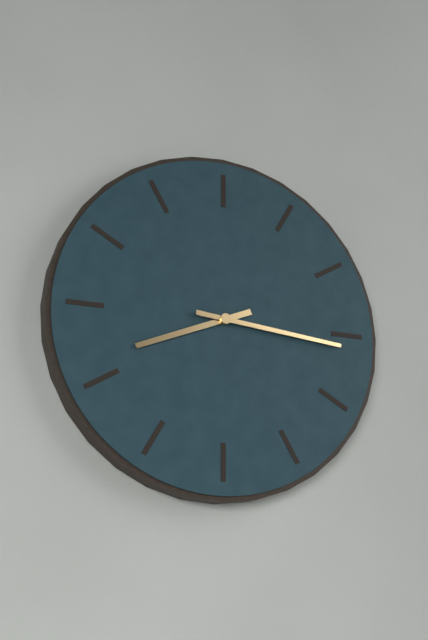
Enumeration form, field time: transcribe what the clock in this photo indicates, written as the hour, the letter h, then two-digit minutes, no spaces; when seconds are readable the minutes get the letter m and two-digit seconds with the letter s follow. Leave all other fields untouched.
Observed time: 8h16
